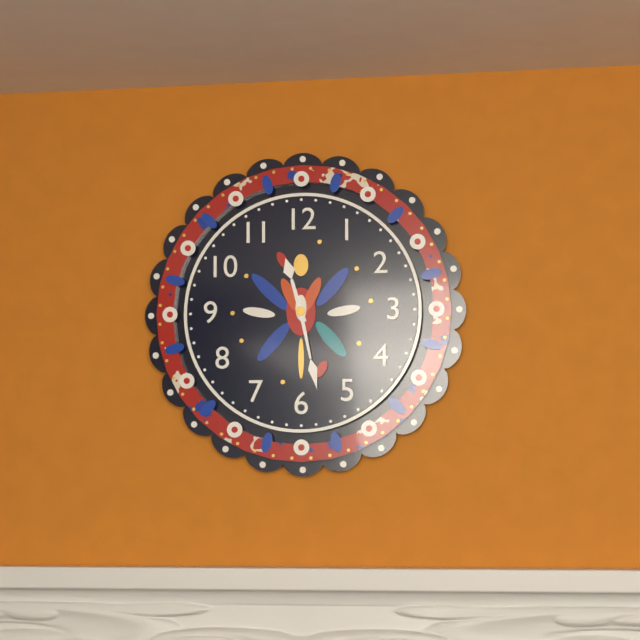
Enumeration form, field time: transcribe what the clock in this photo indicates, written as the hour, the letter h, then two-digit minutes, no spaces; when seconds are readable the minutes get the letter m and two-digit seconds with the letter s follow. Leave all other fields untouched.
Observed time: 11h28
